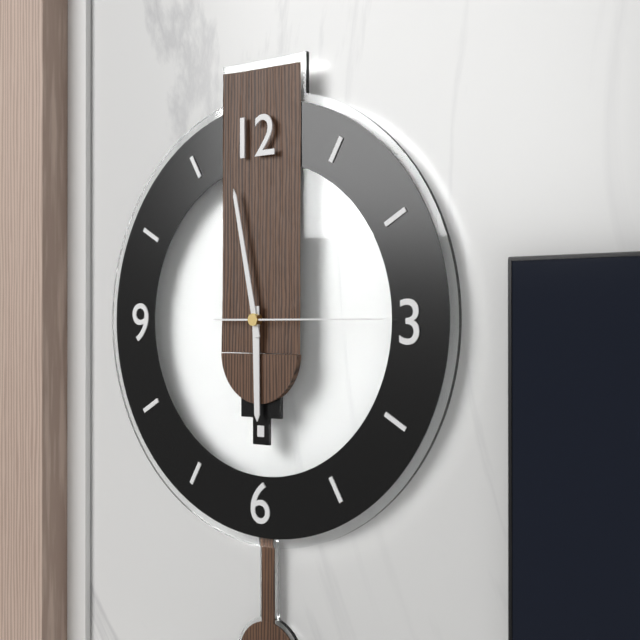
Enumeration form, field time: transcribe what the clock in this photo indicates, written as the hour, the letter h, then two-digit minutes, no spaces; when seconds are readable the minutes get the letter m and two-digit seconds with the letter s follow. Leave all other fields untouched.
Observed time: 5h58m15s
